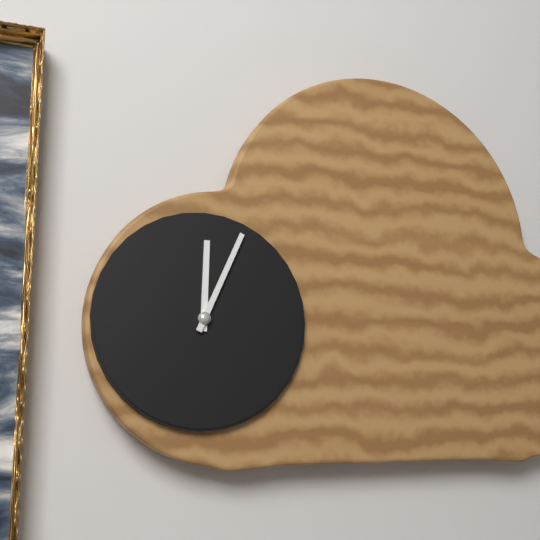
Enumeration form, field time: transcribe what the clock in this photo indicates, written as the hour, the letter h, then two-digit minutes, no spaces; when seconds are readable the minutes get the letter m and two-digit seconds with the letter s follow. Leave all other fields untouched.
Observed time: 12h04
